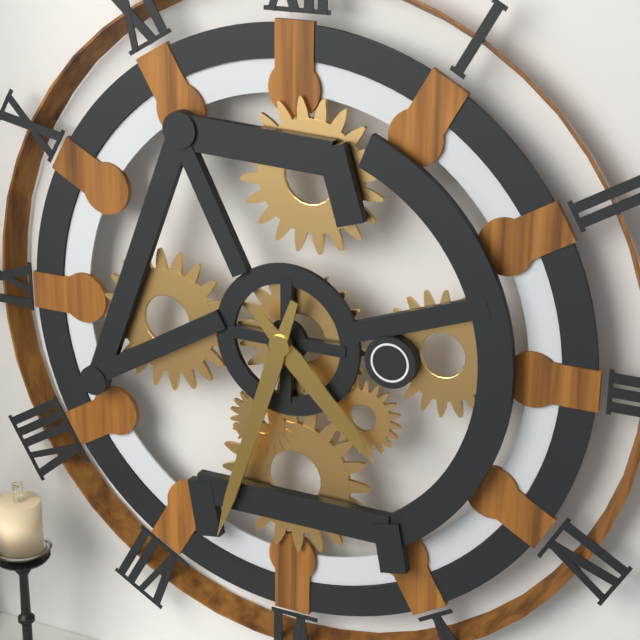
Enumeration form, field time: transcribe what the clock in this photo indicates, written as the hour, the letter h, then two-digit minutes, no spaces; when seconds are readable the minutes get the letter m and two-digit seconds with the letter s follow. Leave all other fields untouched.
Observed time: 4h33
